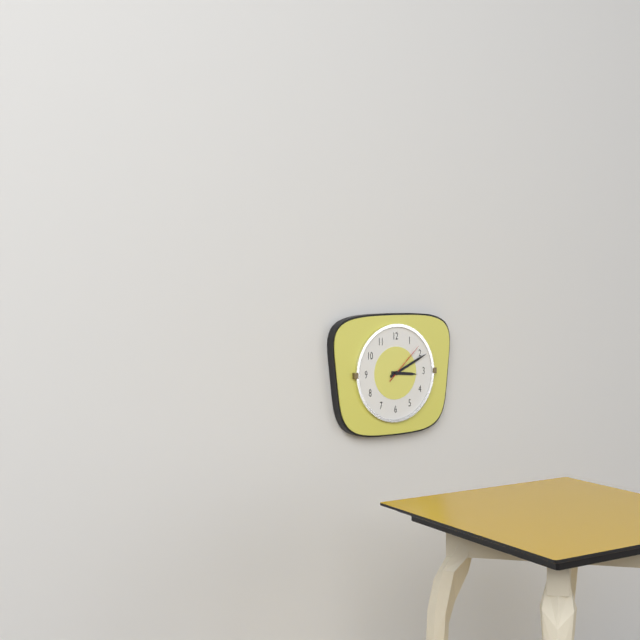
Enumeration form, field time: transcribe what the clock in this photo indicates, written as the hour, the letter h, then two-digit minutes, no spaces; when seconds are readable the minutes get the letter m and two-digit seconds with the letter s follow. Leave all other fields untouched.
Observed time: 3h11
